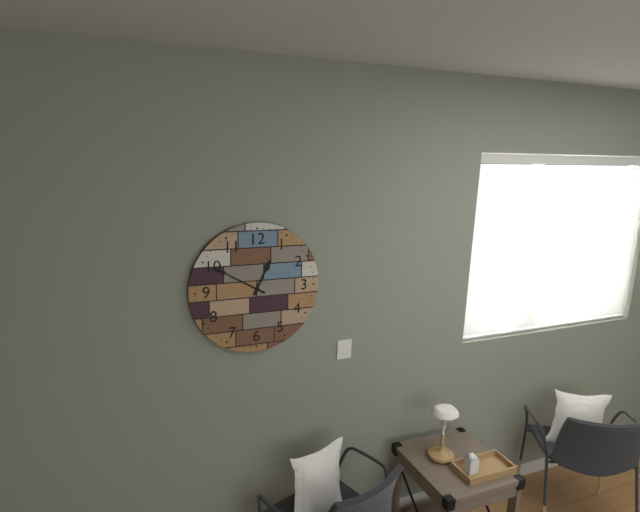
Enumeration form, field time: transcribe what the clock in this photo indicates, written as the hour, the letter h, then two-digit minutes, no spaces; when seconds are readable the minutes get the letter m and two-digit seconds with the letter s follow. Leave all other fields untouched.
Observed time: 12h50
